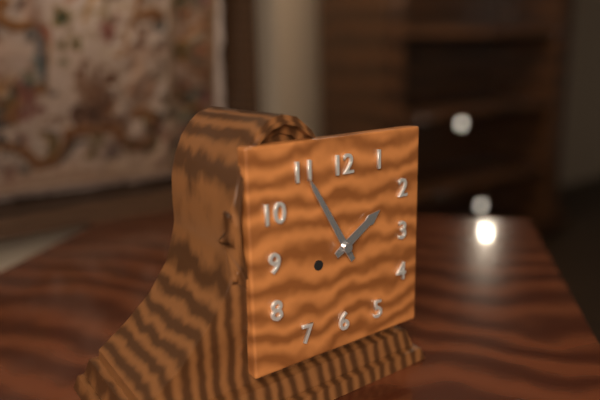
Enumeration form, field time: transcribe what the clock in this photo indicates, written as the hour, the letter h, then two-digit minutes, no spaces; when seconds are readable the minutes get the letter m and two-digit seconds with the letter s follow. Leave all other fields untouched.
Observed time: 1h55
